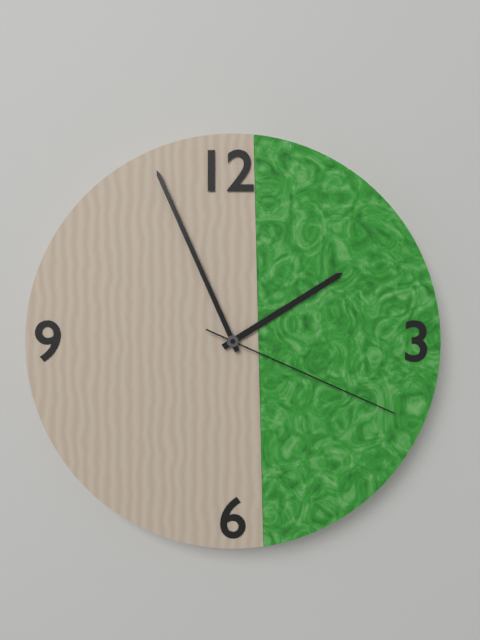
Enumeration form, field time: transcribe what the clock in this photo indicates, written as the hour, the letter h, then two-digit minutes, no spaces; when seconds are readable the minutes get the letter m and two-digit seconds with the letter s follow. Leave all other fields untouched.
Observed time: 1h56m19s
